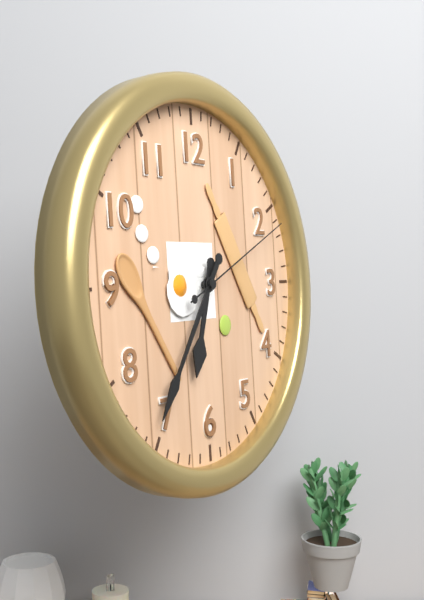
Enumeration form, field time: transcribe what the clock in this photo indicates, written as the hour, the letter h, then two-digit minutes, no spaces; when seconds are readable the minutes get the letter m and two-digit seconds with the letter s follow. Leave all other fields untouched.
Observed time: 6h36m11s
